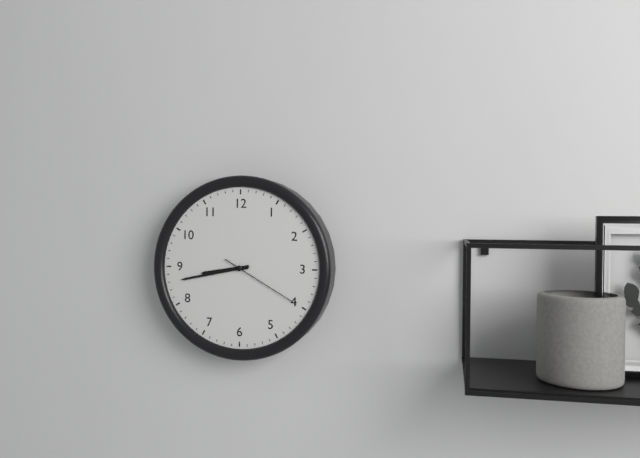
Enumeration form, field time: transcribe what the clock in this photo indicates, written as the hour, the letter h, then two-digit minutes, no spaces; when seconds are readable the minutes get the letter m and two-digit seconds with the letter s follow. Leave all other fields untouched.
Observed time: 8h43m20s
